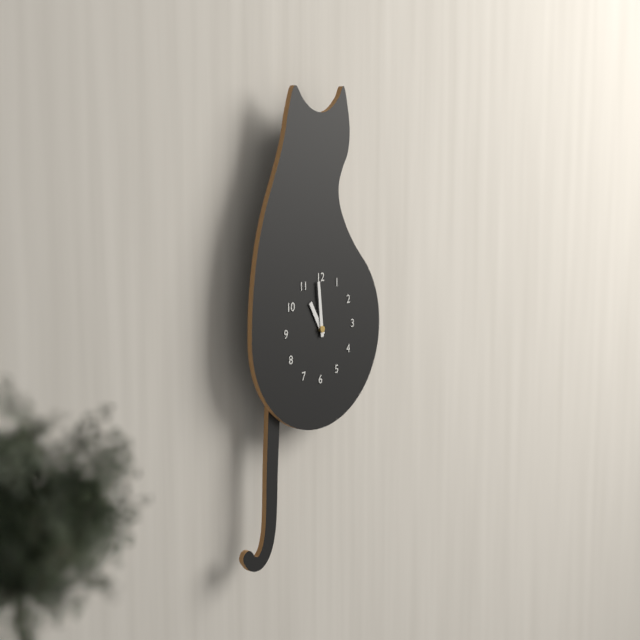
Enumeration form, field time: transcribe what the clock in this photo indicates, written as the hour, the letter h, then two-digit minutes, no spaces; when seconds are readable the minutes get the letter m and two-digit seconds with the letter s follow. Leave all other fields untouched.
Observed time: 10h59
